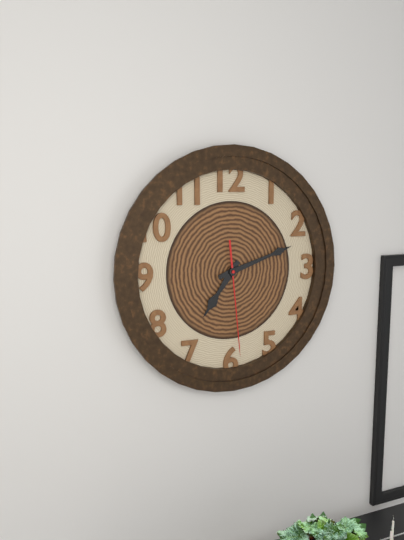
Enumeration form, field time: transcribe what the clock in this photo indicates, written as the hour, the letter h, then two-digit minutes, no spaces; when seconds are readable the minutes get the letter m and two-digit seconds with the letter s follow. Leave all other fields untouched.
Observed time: 7h12m29s
